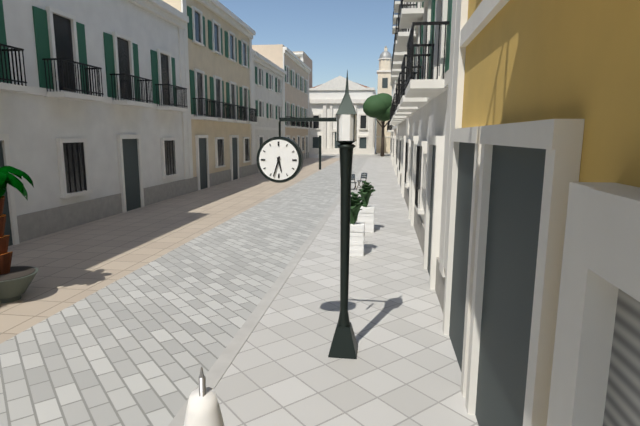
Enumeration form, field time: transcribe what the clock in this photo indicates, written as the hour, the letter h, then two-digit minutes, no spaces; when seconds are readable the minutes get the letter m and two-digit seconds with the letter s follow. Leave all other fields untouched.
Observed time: 5h33
